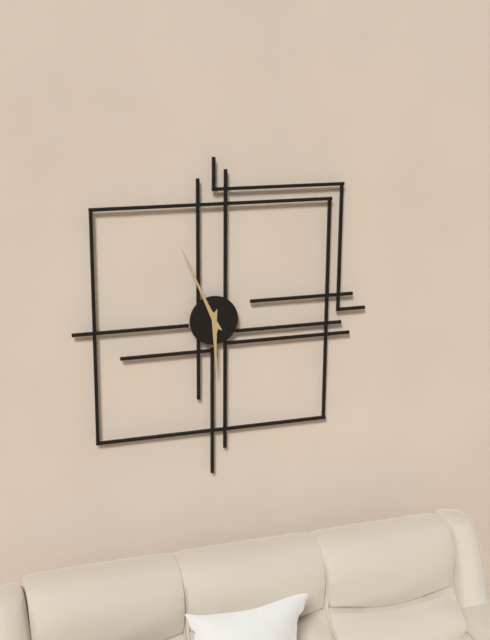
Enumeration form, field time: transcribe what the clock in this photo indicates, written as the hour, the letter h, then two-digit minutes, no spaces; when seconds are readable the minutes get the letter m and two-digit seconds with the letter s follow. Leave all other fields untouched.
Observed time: 5h56
